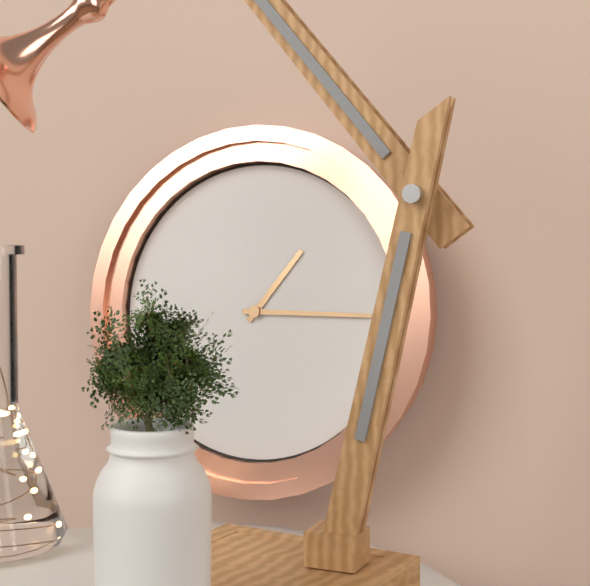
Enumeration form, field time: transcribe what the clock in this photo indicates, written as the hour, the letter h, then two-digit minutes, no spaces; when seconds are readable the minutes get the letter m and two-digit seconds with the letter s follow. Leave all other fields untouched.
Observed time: 1h15
